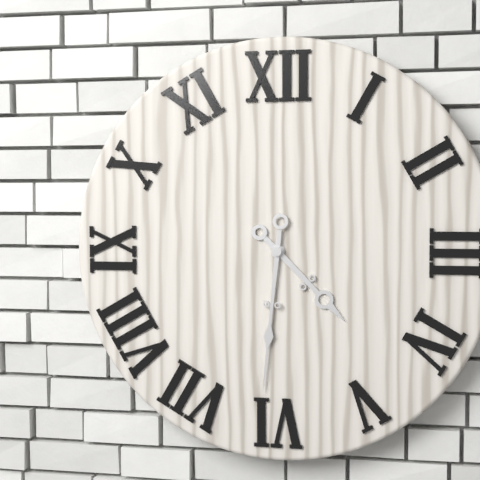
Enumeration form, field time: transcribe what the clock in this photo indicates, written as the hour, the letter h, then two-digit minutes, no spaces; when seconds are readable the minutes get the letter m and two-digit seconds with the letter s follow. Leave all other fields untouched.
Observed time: 4h31
